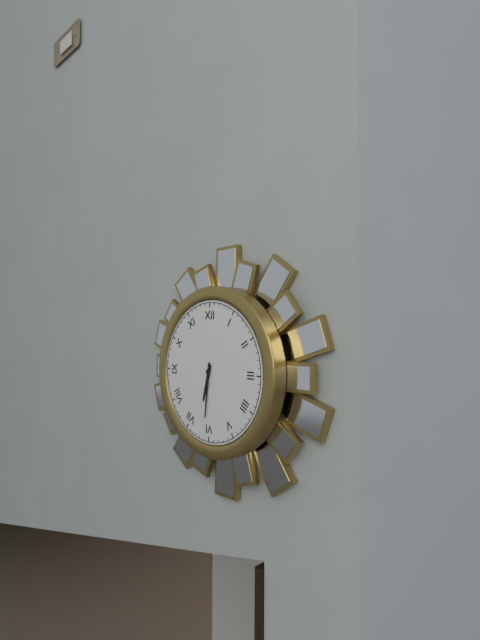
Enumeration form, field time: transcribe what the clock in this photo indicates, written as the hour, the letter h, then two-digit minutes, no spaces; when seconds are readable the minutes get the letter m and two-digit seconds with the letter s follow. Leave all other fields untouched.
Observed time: 6h31
